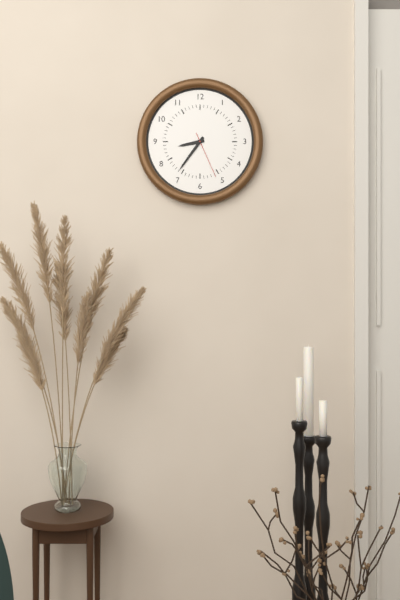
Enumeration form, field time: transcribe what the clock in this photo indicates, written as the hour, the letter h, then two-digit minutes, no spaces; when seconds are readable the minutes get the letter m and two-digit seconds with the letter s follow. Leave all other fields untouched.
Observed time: 8h36
